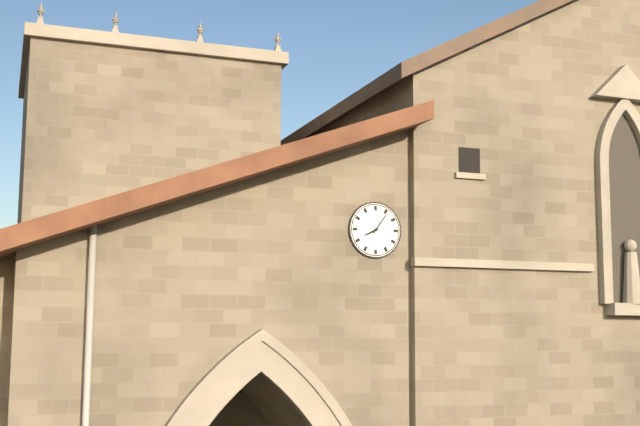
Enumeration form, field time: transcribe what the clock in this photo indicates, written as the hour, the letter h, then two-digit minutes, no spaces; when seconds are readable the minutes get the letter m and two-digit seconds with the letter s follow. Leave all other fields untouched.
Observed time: 8h06
